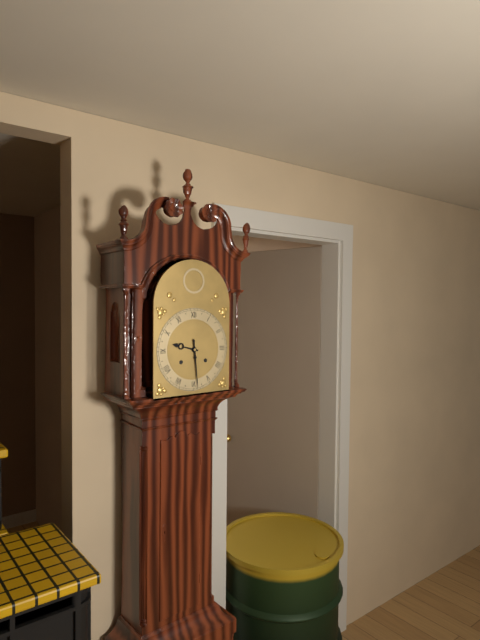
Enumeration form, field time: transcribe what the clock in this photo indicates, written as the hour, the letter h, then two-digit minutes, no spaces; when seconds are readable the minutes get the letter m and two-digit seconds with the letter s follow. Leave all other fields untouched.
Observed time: 9h29
